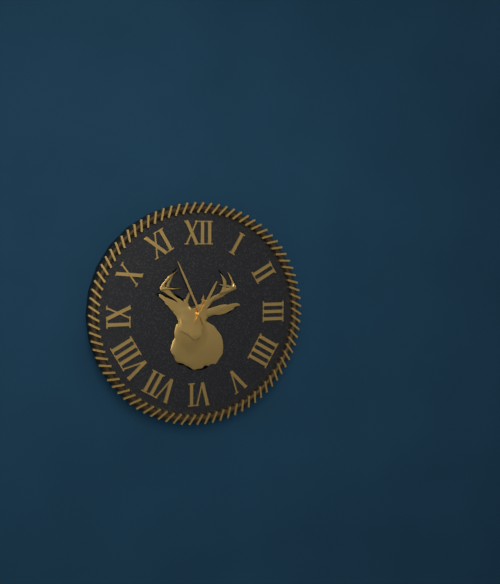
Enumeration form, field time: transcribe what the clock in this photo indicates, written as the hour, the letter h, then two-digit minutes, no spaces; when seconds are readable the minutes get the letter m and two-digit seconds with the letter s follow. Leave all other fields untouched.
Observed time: 12h56
